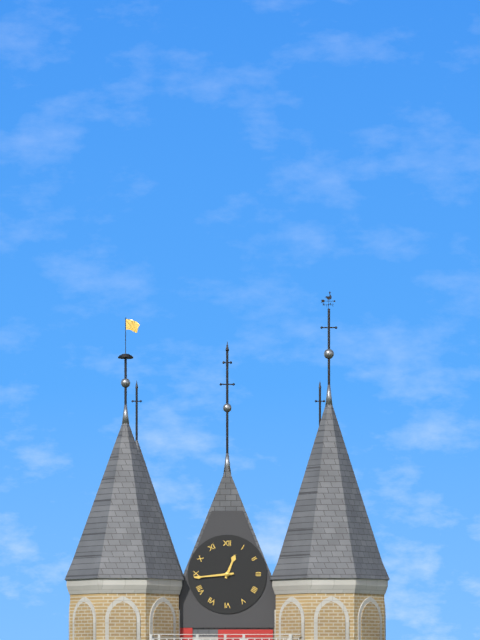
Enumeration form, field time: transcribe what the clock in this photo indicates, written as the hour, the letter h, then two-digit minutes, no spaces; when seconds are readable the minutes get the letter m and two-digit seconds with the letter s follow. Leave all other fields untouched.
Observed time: 12h44
